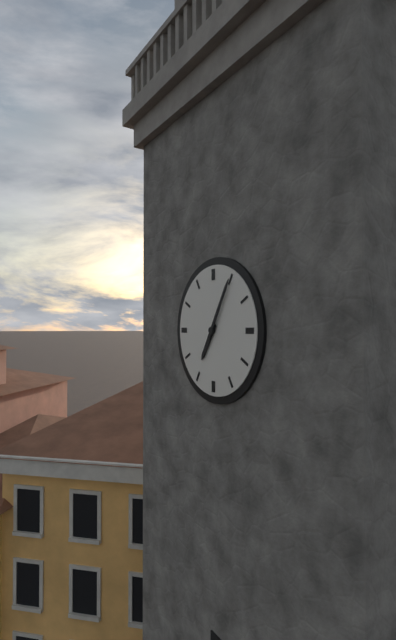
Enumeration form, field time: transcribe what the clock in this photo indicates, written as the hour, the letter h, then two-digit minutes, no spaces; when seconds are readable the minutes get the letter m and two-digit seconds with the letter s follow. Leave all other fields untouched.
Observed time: 7h05
